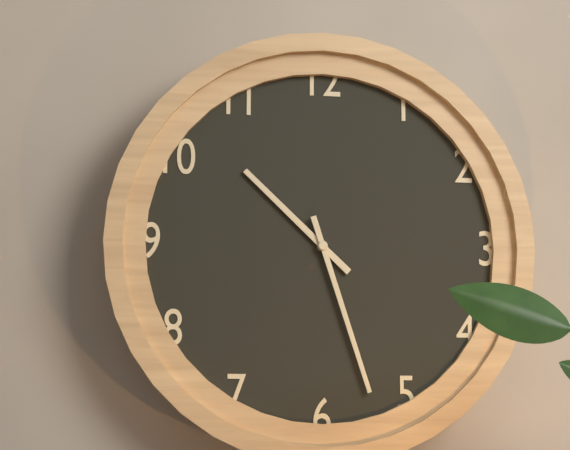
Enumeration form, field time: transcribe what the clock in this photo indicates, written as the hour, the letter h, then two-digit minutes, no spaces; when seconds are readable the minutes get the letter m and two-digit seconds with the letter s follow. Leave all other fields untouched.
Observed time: 10h27
